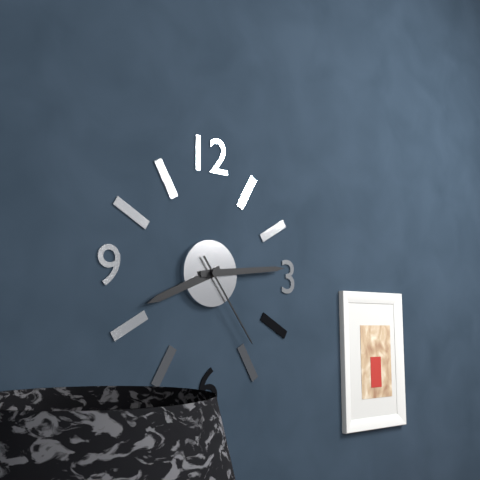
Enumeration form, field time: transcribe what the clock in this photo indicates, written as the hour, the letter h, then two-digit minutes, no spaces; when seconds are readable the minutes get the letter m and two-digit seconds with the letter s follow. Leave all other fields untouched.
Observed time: 8h14m24s
